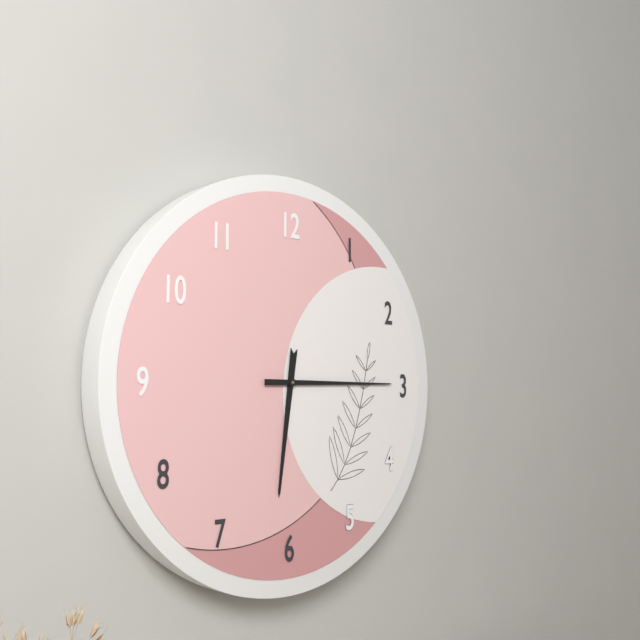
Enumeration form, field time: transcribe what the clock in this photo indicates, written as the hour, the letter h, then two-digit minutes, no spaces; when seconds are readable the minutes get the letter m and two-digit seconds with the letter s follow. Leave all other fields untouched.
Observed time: 6h15
